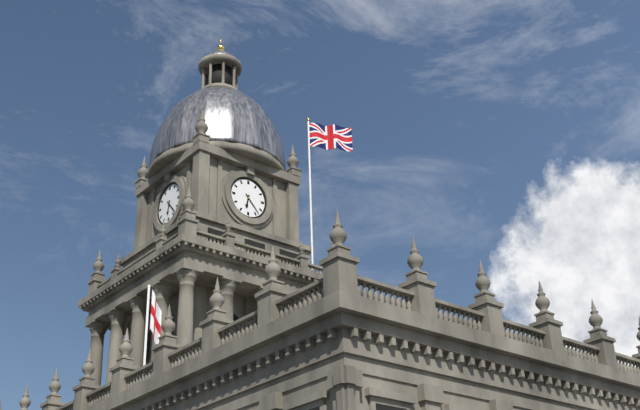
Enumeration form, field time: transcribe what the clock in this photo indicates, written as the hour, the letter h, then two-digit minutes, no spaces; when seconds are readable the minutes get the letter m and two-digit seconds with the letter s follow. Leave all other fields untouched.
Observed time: 6h23
